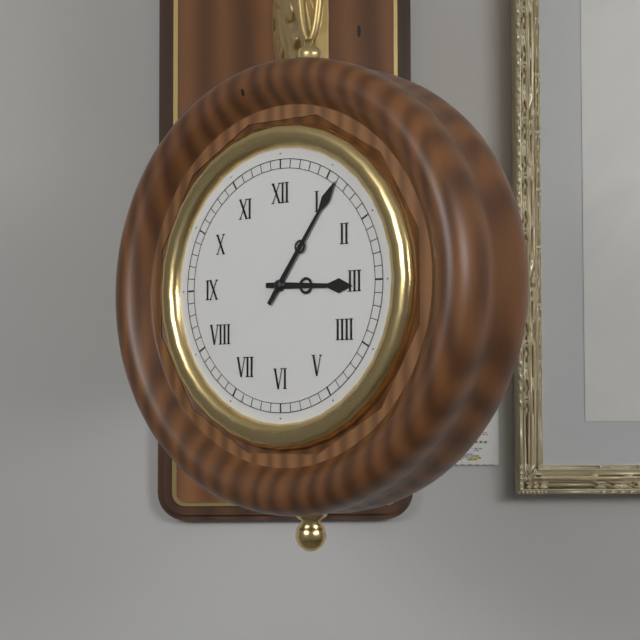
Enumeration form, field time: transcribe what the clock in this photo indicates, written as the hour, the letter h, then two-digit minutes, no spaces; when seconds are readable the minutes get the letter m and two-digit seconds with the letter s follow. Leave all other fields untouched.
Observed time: 3h06
